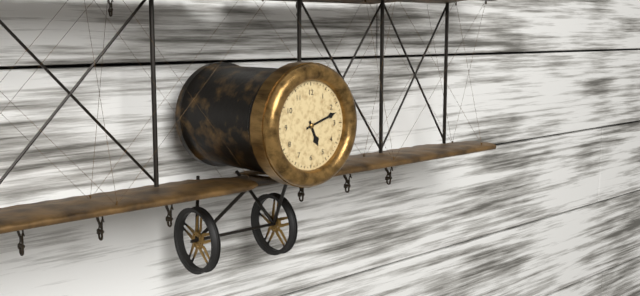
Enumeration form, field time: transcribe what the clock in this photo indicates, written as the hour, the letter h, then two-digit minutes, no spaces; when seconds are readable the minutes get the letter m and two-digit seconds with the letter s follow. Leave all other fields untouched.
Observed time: 5h12
